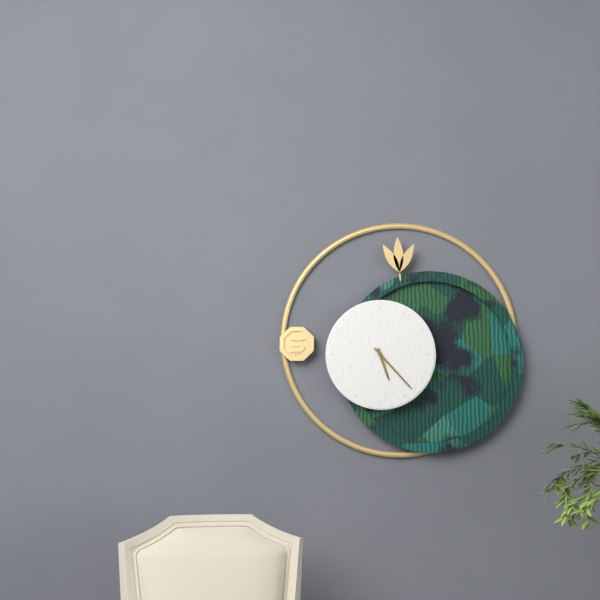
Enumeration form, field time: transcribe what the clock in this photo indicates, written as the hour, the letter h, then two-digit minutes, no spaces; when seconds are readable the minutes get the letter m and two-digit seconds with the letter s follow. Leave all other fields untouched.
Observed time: 5h23
